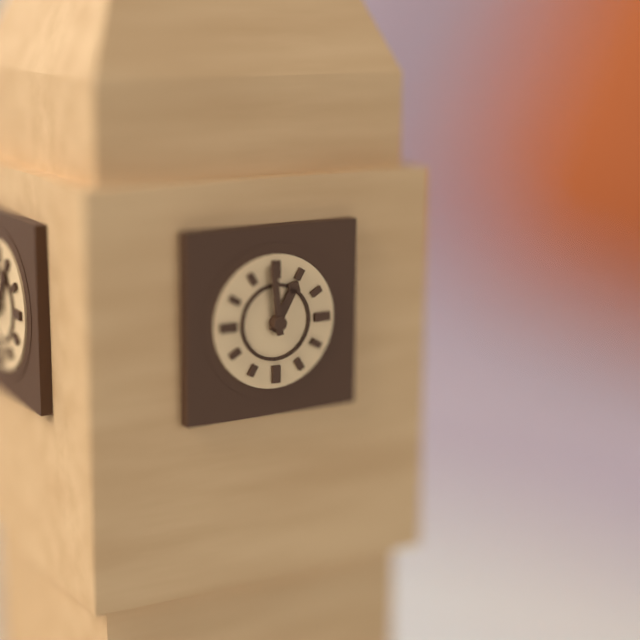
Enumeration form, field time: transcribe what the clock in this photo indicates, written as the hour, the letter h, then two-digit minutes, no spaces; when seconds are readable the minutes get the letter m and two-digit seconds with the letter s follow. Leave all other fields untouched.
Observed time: 12h59
